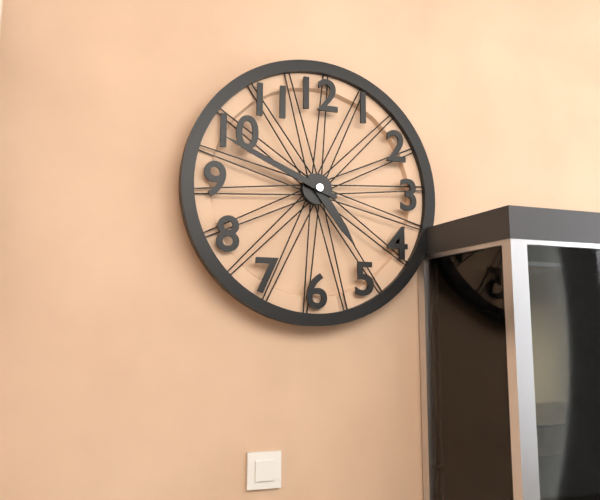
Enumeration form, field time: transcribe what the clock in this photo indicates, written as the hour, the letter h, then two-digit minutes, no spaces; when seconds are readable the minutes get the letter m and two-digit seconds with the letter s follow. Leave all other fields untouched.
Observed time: 4h49
